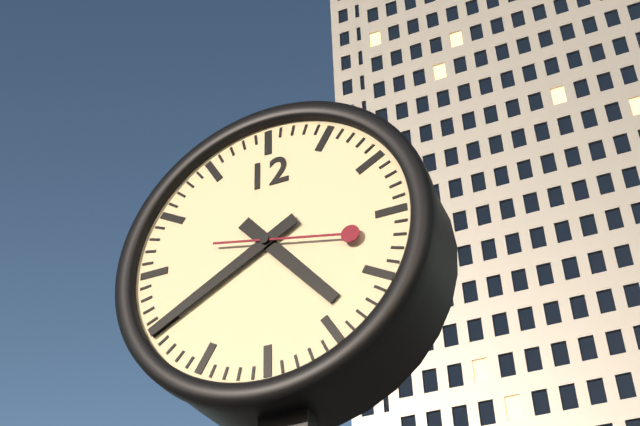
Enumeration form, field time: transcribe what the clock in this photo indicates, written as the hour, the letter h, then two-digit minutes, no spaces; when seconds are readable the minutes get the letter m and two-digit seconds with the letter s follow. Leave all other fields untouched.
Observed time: 4h40m17s
